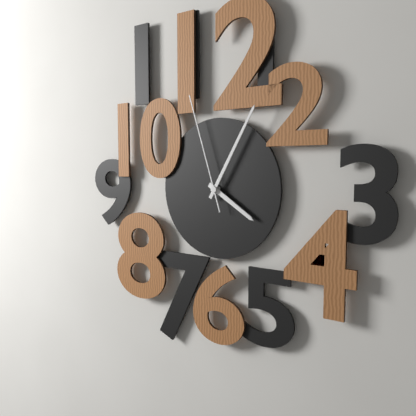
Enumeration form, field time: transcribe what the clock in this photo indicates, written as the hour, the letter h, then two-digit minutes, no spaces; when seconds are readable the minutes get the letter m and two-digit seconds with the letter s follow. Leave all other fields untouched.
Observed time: 4h05m57s
